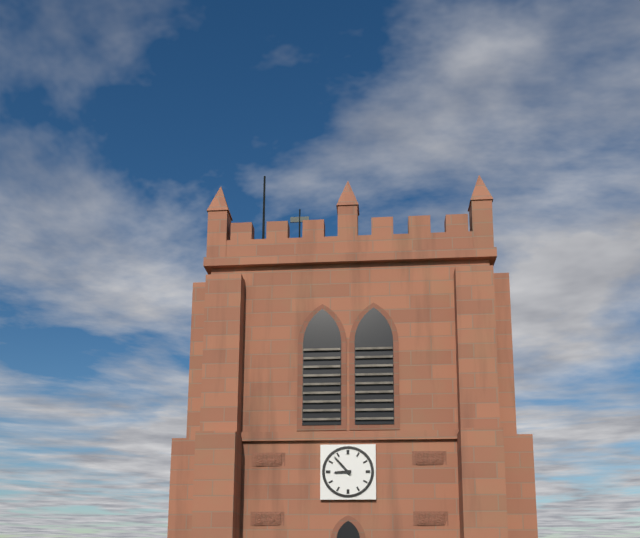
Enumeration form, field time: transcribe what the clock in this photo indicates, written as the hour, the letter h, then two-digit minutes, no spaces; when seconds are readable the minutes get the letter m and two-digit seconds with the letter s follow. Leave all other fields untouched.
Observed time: 8h53
